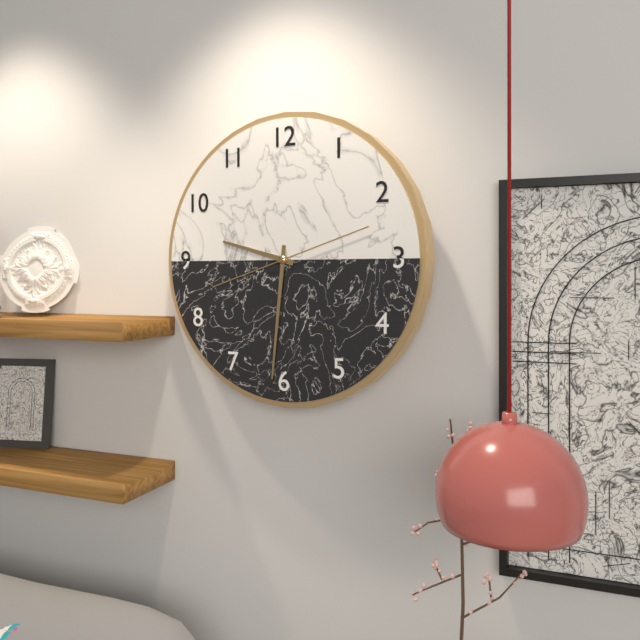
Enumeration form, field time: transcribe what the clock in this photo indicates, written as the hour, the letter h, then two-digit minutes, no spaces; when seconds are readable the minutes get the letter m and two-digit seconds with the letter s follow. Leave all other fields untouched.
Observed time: 9h31m12s
